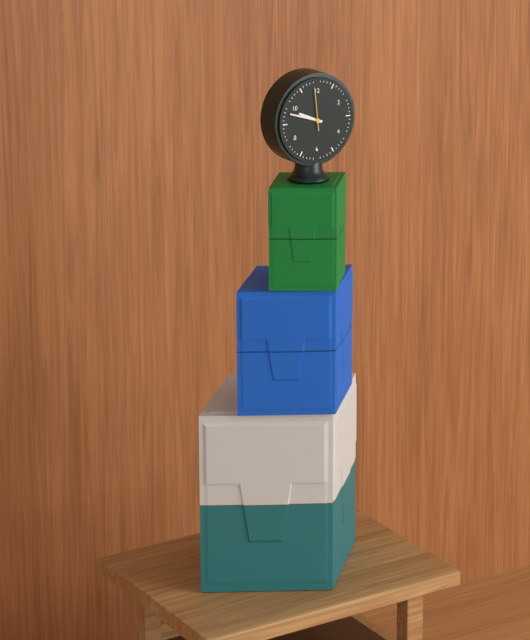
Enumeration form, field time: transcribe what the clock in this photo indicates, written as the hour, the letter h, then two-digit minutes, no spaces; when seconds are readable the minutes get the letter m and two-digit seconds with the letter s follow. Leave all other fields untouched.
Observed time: 9h48
